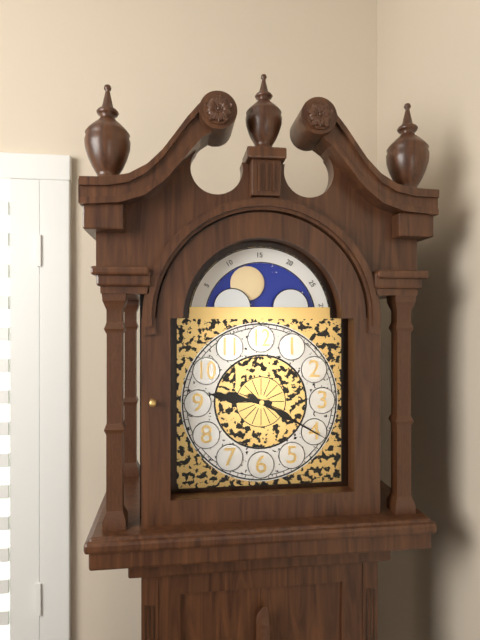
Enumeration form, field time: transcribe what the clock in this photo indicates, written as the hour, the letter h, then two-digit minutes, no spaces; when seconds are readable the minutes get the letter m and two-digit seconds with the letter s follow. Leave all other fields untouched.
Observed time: 9h20
